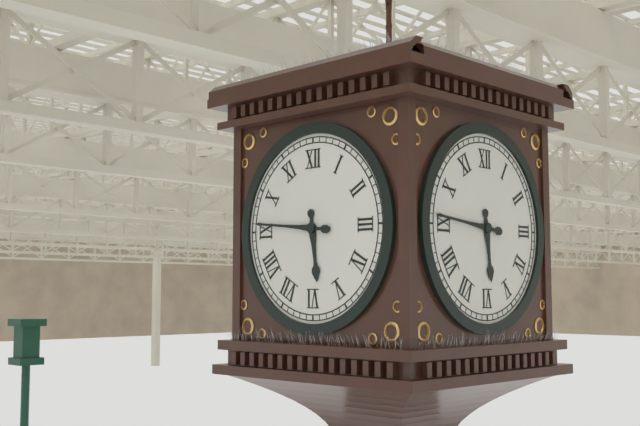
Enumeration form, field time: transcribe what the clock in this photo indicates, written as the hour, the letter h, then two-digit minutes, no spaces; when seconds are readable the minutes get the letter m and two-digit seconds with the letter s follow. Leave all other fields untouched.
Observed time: 5h46
